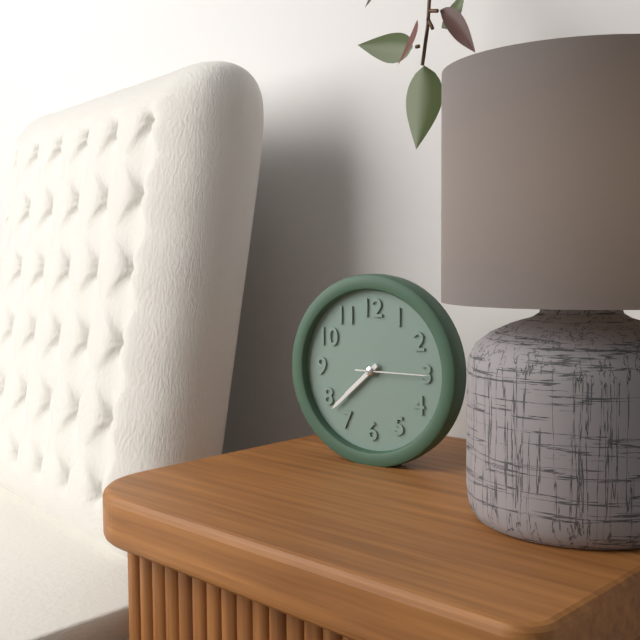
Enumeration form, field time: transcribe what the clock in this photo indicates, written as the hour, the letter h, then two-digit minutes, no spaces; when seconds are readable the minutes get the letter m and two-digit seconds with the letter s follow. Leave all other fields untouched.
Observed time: 7h38m15s
